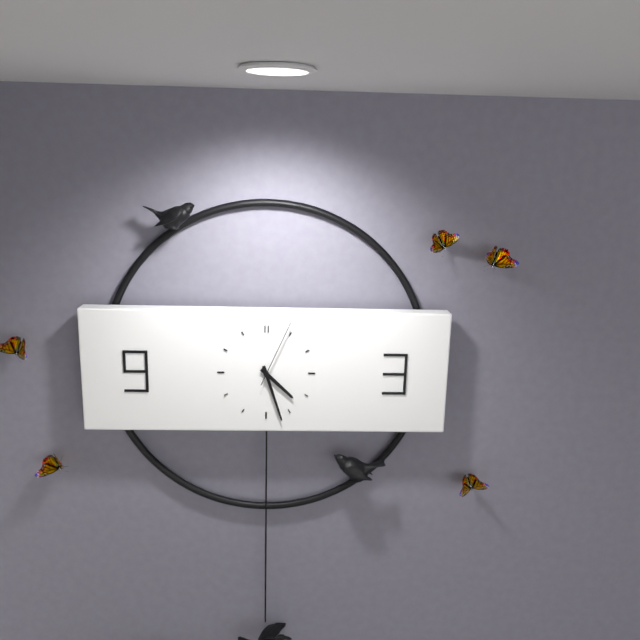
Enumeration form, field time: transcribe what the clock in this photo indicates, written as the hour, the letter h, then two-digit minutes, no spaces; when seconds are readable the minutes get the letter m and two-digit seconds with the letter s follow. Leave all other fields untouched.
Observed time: 4h27m04s
